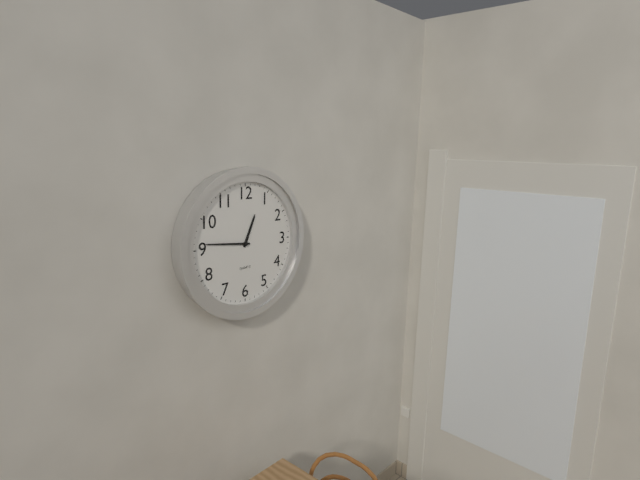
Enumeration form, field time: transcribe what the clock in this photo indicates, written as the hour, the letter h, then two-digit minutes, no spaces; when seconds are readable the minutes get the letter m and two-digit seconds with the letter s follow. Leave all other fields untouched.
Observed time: 12h46
